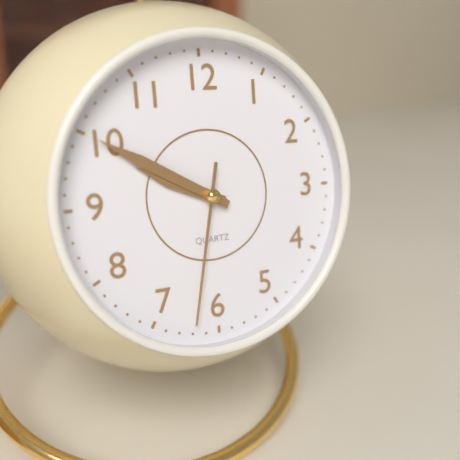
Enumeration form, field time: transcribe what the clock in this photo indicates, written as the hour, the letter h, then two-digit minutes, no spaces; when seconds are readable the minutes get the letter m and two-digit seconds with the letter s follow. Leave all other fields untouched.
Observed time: 9h50m32s
